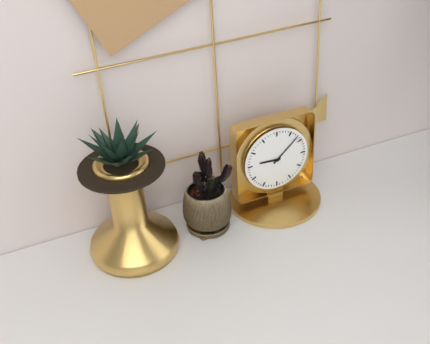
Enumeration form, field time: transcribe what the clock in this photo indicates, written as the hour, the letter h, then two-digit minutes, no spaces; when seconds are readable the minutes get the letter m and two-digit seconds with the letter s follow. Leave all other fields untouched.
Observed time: 9h08
